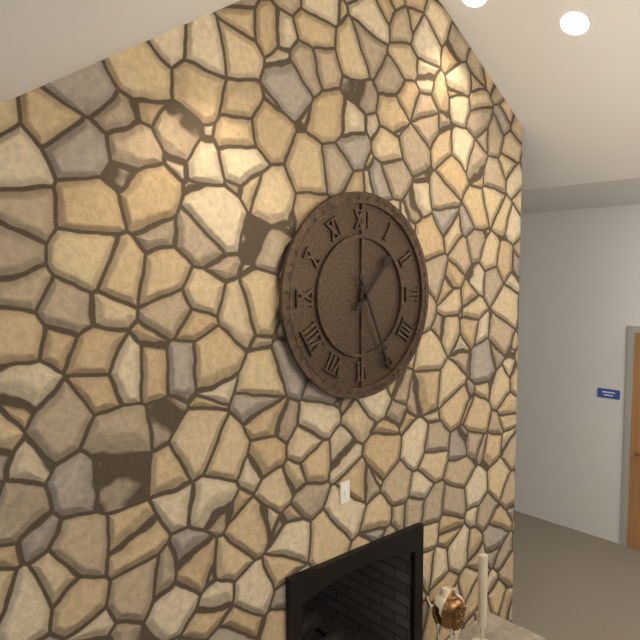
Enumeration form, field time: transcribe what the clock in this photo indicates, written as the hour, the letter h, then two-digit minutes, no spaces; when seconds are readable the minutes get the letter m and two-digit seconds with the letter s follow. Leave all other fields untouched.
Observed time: 1h26
